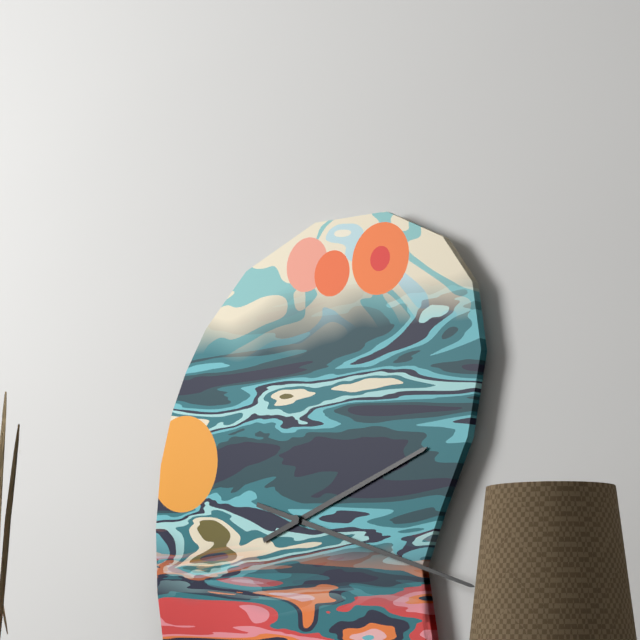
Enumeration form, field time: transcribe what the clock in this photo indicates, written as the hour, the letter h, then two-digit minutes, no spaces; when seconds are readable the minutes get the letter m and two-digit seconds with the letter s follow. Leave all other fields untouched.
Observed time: 2h18
